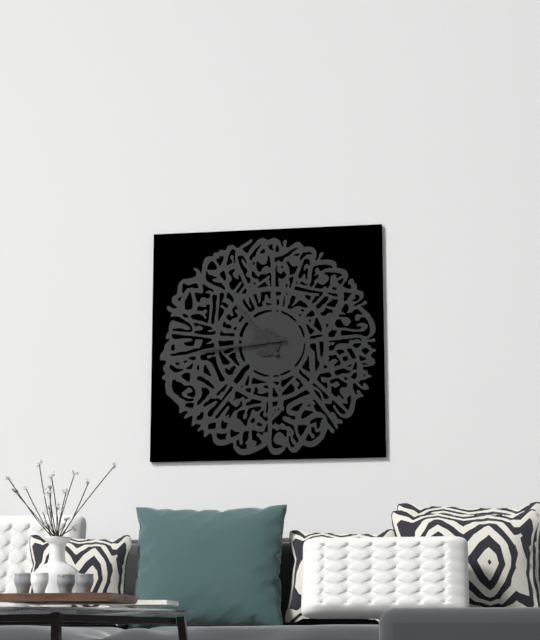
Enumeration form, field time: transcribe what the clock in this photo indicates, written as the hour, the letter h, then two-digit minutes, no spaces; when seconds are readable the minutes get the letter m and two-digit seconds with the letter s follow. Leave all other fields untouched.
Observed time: 10h44
